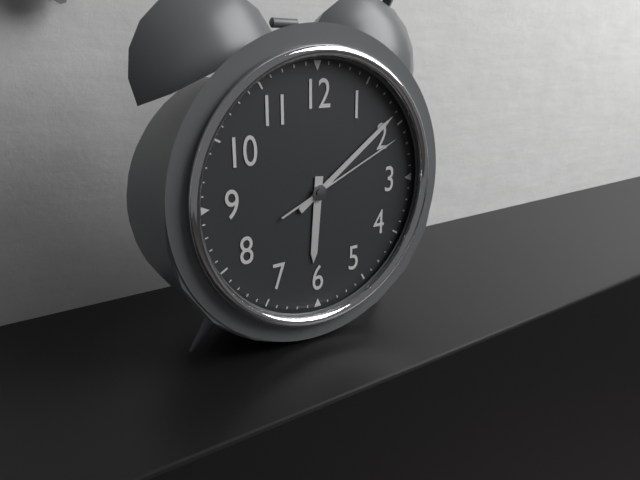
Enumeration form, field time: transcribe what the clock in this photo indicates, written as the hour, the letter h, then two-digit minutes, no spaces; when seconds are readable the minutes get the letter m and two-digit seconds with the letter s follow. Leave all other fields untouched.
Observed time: 6h09m11s
